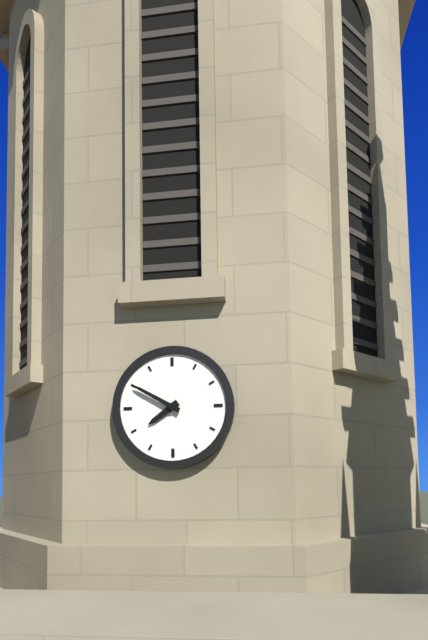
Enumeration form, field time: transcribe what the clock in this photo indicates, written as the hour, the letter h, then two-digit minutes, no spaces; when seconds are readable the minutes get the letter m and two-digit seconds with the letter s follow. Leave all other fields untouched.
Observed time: 7h50
